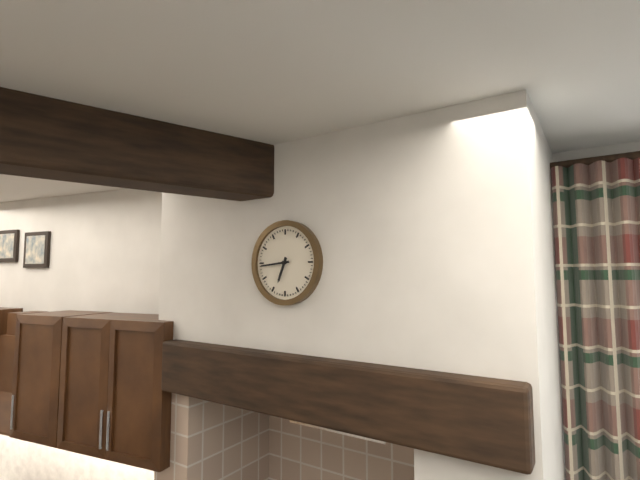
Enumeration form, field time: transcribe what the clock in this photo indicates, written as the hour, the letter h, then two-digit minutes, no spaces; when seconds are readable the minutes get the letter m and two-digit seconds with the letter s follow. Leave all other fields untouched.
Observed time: 6h44
